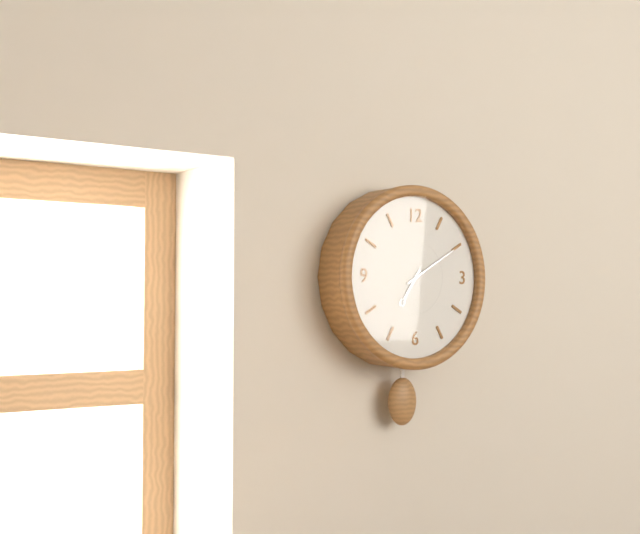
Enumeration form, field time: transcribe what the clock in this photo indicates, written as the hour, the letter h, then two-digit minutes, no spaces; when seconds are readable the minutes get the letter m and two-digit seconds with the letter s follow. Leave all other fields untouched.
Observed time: 7h10
